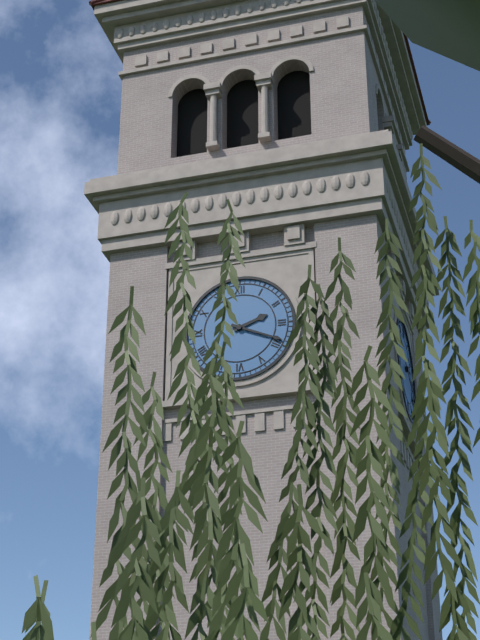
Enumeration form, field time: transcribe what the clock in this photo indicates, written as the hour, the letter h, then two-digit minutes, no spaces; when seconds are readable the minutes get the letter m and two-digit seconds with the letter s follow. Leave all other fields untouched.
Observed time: 2h19
